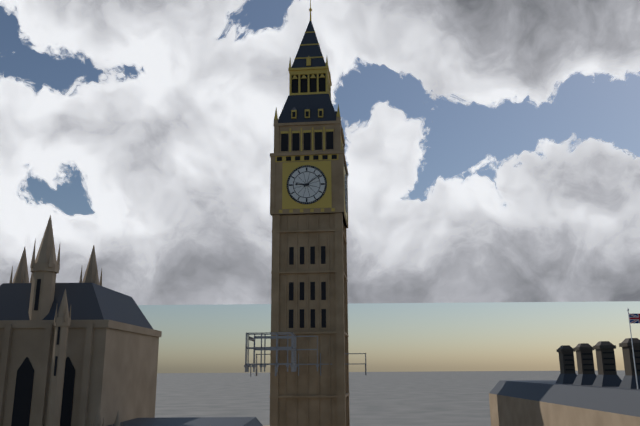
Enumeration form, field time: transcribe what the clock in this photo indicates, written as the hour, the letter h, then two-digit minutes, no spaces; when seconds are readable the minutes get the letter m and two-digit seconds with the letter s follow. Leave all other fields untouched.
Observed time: 9h09
